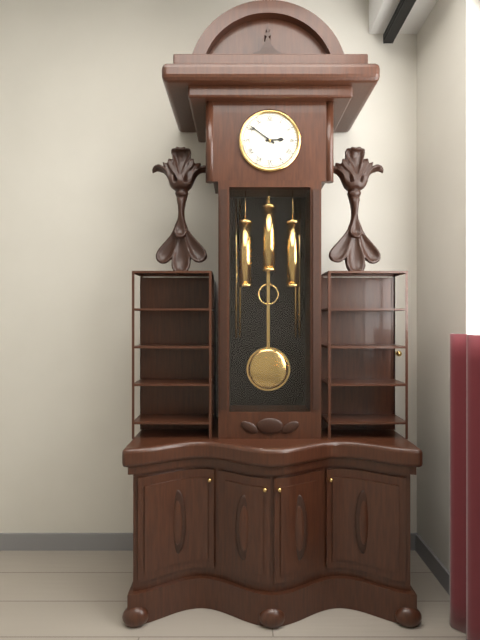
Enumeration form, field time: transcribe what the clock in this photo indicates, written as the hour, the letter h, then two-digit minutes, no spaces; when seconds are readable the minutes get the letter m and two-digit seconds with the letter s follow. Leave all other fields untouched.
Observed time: 2h51
